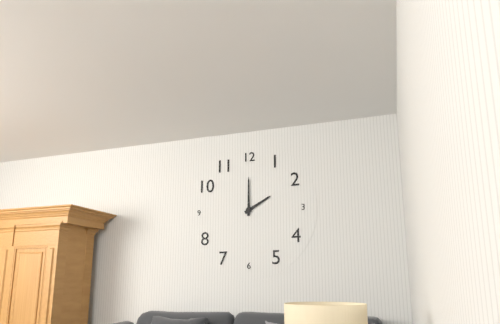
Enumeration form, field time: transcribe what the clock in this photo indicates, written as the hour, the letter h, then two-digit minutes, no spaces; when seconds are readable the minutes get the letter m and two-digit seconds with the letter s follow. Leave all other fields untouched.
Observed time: 2h00
